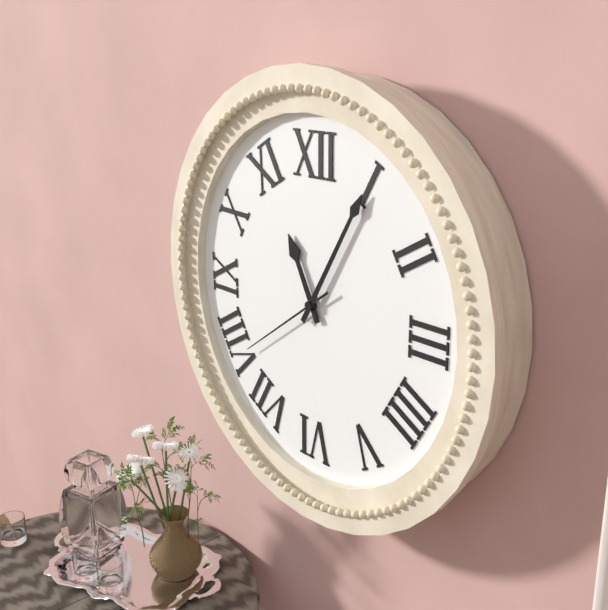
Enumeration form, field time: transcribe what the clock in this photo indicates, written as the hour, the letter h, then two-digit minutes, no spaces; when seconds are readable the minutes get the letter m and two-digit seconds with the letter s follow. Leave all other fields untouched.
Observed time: 11h05m39s
